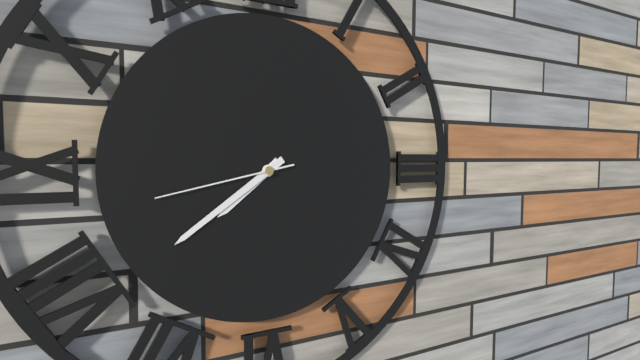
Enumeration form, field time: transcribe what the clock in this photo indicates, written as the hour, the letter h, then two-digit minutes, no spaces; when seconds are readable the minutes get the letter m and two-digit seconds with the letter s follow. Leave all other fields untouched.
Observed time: 7h39m43s
